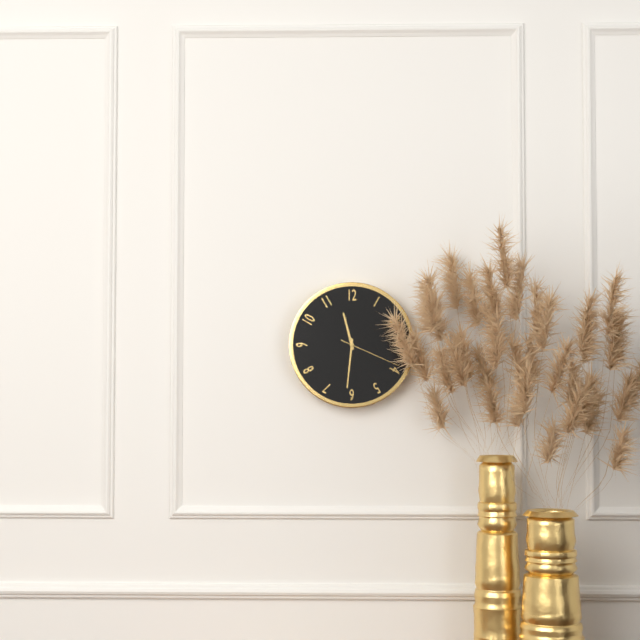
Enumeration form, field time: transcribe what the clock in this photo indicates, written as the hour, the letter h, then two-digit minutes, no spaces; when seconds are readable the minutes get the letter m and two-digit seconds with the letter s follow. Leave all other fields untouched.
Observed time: 11h31m19s
